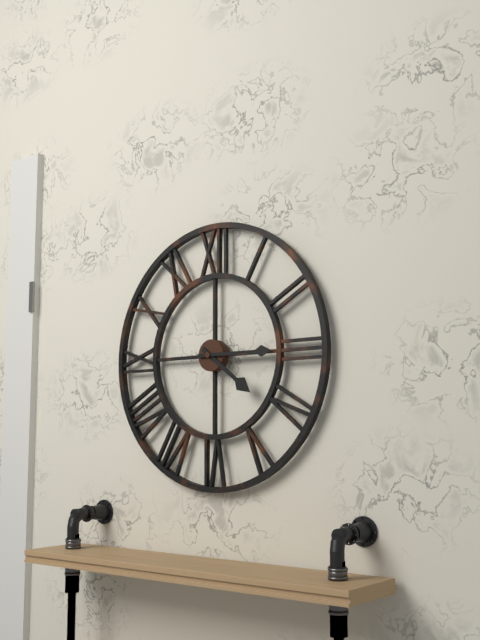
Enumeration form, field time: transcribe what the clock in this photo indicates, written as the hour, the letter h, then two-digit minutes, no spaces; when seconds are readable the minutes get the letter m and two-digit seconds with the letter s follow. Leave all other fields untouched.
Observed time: 4h15
